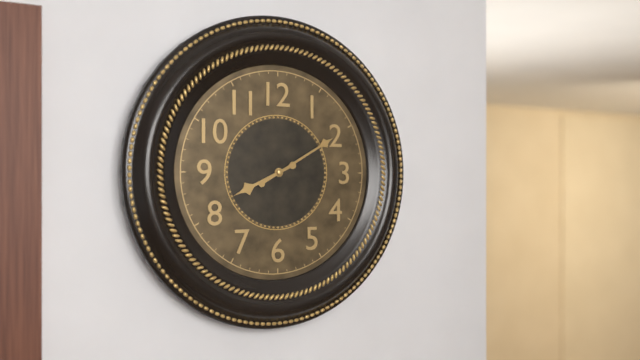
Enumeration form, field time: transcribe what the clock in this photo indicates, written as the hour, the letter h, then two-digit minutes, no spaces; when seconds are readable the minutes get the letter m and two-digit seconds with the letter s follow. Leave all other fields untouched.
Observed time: 8h10
